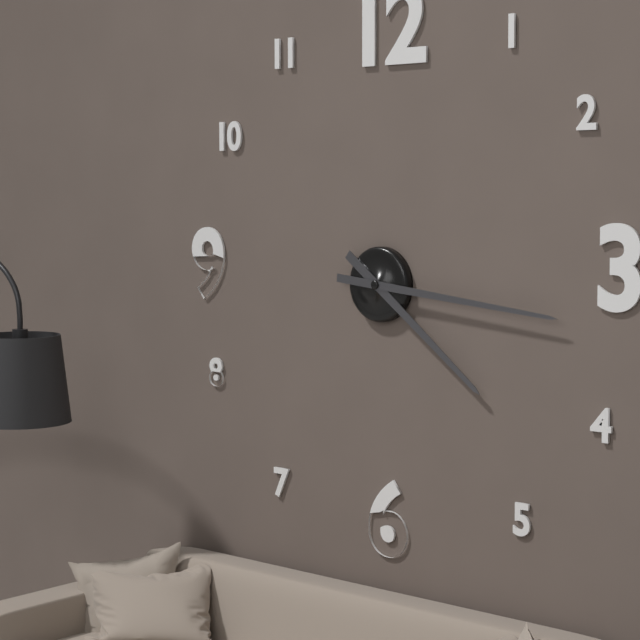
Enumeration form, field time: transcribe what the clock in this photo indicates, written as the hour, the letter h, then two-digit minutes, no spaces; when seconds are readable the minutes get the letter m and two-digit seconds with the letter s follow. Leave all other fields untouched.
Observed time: 4h16
